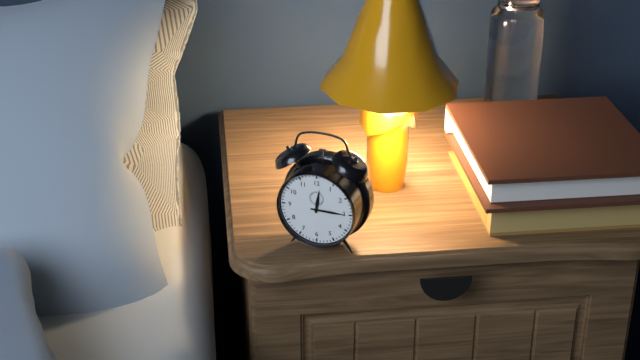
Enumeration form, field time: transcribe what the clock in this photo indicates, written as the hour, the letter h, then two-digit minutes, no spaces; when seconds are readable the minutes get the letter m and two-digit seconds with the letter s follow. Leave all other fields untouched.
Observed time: 12h15
